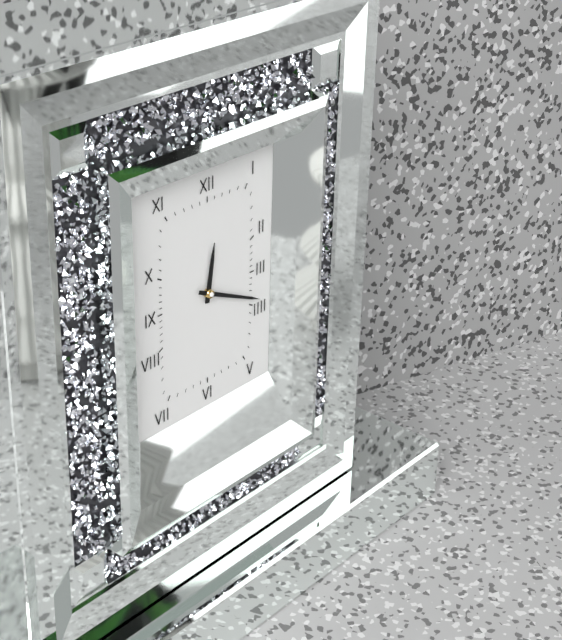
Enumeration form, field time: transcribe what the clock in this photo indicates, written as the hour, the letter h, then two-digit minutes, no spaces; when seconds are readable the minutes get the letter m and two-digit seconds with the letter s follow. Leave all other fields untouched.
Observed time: 12h19
